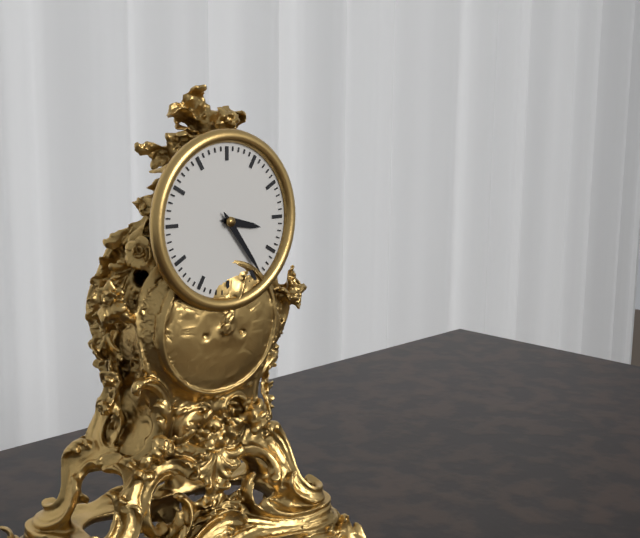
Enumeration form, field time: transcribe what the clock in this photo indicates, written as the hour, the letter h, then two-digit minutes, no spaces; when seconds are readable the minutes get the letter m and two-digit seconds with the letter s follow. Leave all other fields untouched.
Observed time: 3h24
